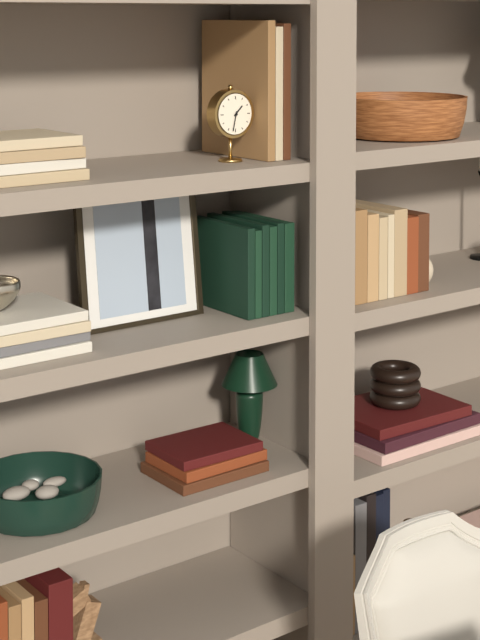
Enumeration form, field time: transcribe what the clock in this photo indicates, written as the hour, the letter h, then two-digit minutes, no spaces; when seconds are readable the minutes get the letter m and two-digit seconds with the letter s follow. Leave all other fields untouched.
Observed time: 1h32
